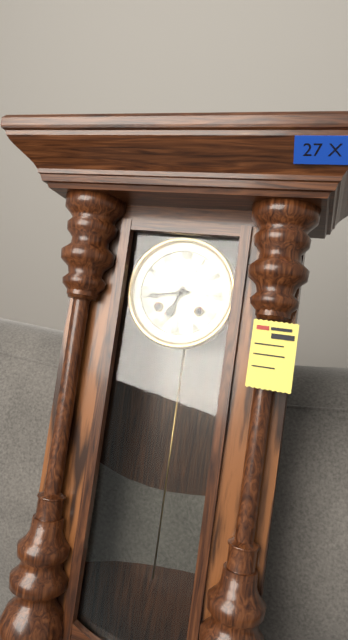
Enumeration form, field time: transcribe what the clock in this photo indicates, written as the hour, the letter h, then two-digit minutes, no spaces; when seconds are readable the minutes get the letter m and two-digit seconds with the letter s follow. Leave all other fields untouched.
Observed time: 6h43
